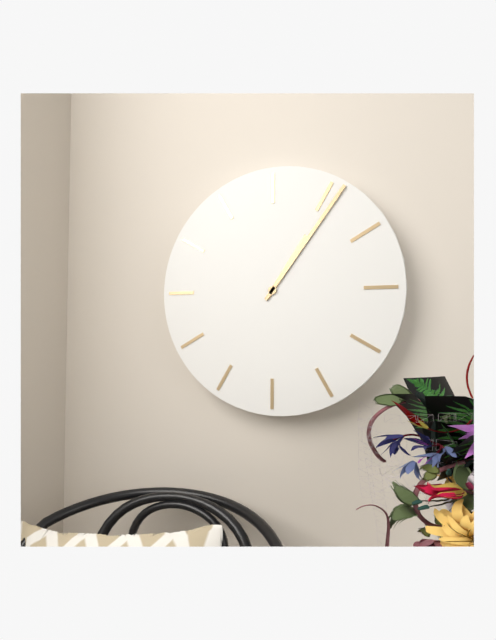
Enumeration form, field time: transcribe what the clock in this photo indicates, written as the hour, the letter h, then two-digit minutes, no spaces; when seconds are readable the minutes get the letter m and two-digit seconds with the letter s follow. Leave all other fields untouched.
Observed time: 1h06
